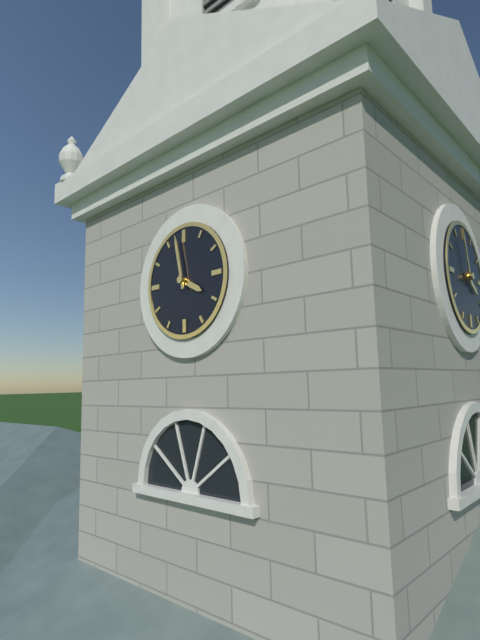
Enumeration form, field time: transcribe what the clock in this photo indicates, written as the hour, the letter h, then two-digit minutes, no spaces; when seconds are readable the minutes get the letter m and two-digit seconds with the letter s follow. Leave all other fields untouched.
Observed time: 3h58
